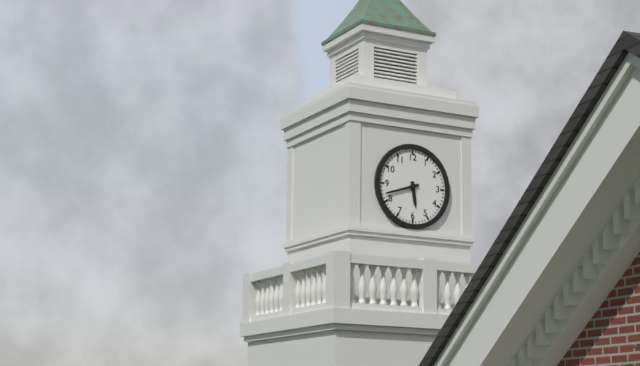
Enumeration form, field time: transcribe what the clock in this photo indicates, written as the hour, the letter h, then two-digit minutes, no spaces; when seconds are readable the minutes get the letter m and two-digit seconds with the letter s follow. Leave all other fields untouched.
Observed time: 5h42
